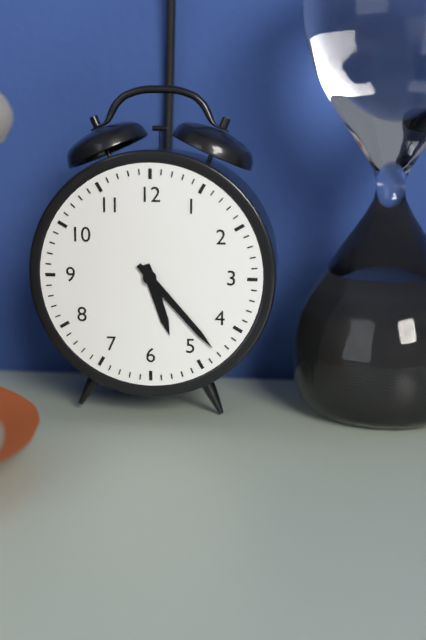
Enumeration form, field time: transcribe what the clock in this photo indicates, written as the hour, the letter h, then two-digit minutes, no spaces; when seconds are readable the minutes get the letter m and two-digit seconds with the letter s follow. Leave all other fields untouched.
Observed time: 5h23
